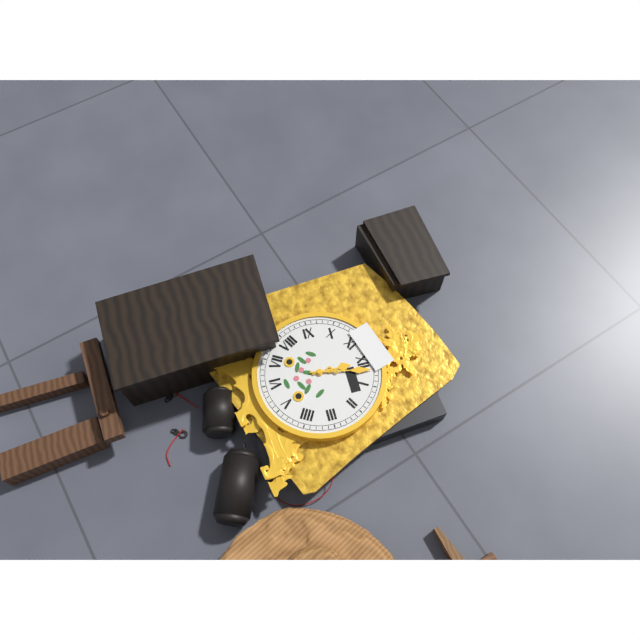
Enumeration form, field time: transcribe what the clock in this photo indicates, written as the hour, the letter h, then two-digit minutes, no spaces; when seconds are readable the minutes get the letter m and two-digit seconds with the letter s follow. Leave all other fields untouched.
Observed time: 12h02
